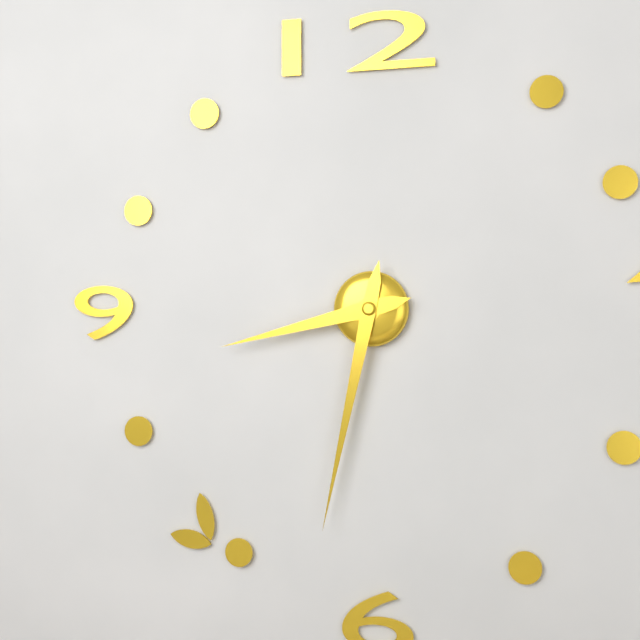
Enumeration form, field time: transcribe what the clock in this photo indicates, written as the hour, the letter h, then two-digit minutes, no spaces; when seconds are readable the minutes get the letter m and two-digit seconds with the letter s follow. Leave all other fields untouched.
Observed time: 8h32
